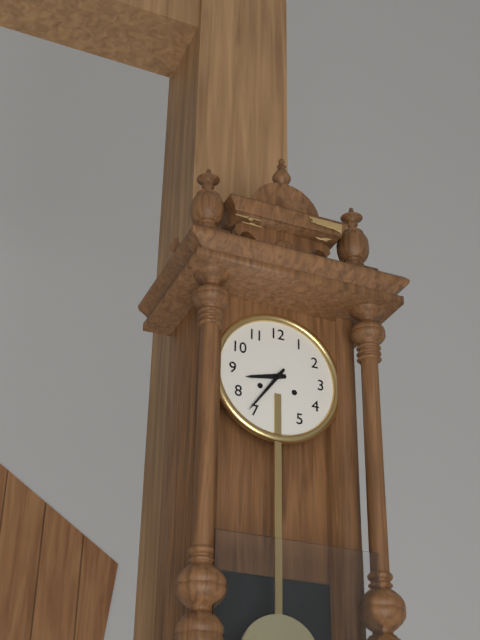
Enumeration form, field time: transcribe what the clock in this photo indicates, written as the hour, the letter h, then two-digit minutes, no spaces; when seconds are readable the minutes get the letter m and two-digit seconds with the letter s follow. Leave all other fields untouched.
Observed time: 8h36
